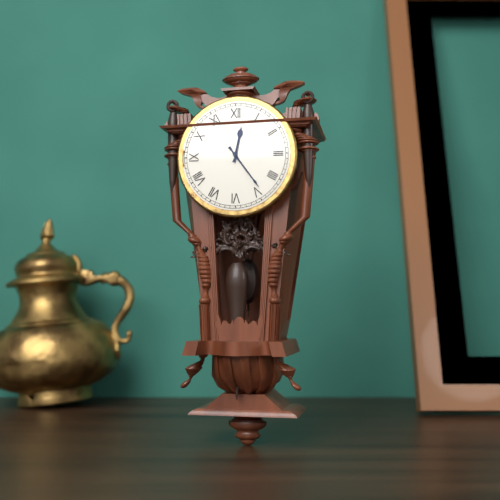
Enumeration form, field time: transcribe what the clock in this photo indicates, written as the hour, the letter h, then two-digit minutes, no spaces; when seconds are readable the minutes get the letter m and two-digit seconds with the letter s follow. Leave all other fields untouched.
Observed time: 12h24
